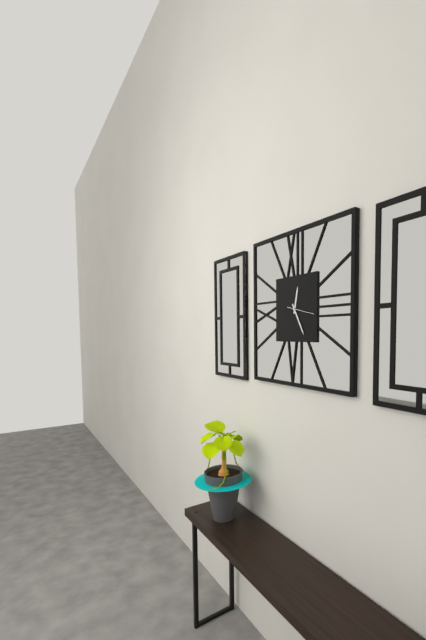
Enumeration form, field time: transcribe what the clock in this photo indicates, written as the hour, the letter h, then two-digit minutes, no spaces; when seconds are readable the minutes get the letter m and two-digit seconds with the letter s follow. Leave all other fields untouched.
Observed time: 12h25
